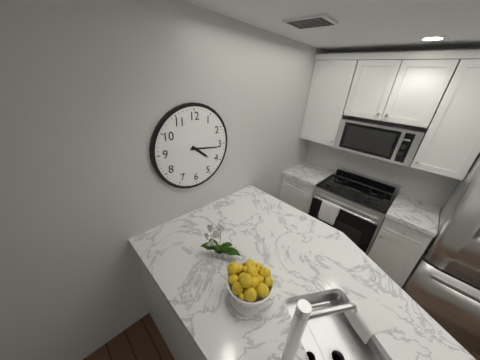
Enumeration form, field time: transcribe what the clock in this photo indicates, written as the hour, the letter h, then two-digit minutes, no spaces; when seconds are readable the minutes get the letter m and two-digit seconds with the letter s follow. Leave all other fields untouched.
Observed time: 4h16
